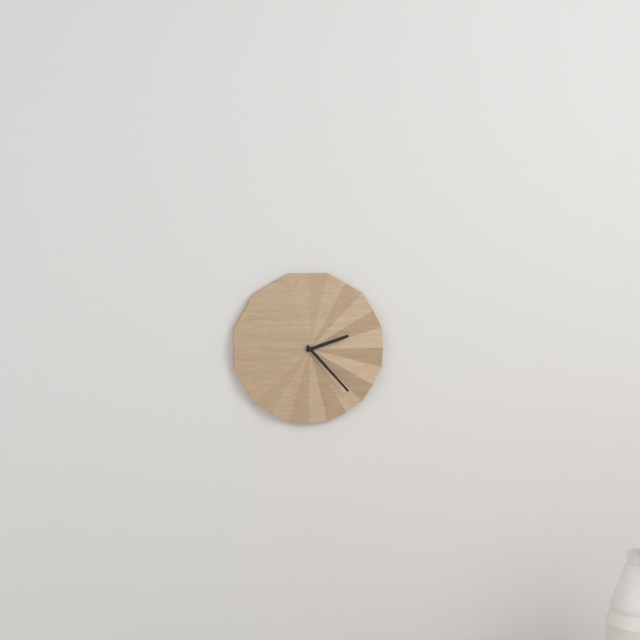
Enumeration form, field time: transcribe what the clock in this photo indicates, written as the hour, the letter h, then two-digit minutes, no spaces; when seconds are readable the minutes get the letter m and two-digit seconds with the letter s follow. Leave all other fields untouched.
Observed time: 2h23
